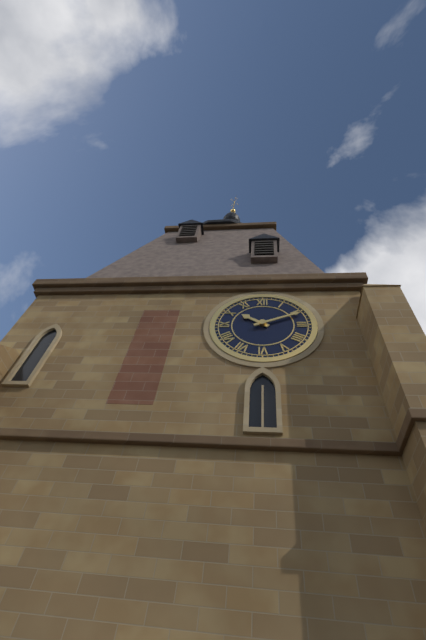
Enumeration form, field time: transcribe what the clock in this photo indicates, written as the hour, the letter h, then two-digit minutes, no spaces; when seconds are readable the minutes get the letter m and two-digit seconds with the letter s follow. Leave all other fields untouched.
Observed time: 10h11
